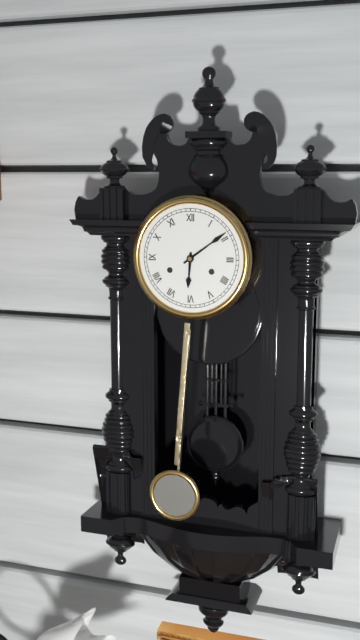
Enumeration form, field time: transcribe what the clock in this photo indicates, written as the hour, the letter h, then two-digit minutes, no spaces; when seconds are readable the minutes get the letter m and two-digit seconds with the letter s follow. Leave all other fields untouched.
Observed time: 6h09
